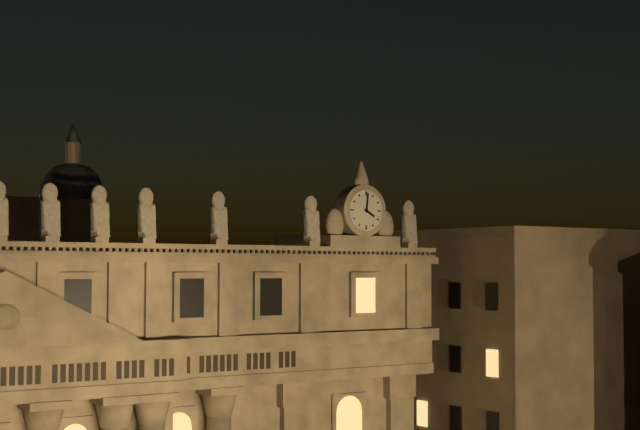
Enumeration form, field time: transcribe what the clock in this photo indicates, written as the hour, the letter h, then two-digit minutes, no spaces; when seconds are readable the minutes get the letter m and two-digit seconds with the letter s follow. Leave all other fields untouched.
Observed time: 4h01
